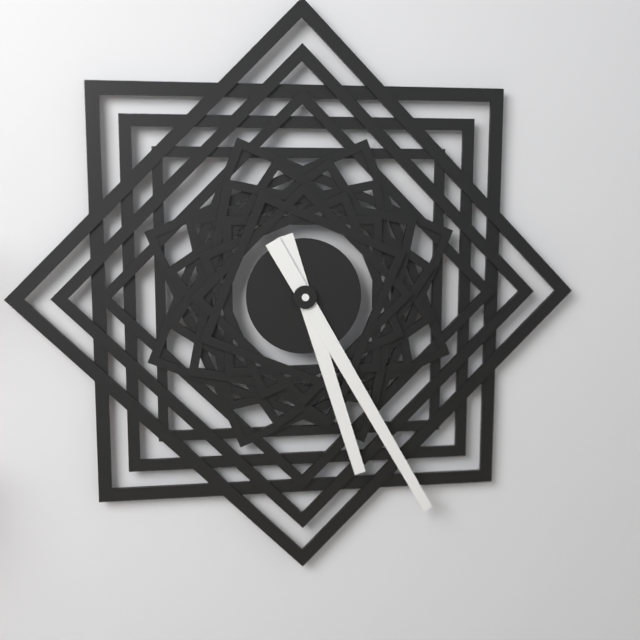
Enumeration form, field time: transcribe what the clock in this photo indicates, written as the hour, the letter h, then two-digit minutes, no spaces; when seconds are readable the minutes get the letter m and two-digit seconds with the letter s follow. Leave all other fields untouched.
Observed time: 5h25
